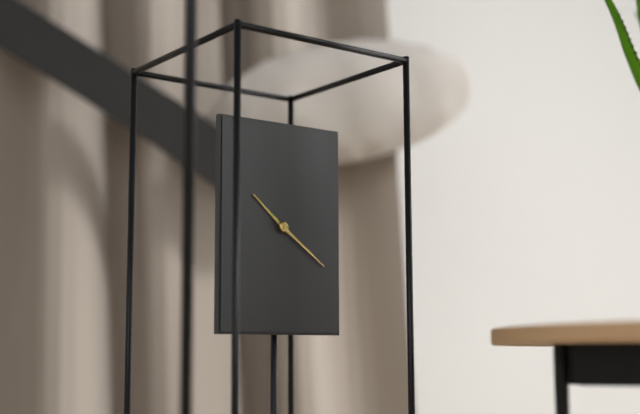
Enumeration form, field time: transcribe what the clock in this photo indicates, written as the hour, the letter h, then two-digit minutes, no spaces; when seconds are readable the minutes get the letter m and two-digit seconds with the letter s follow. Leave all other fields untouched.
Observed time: 10h21
